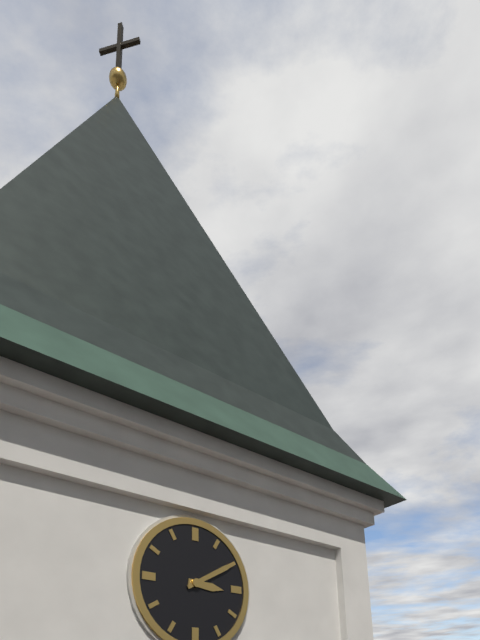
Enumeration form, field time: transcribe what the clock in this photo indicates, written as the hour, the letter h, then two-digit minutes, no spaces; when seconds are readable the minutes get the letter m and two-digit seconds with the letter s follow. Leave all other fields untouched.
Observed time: 3h10
